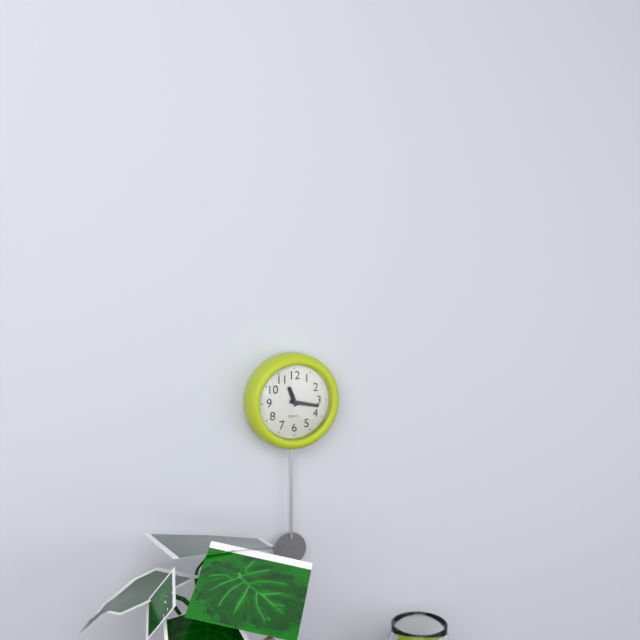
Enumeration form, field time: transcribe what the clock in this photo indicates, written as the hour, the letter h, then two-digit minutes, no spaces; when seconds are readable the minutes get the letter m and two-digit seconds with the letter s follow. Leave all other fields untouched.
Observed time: 11h17
